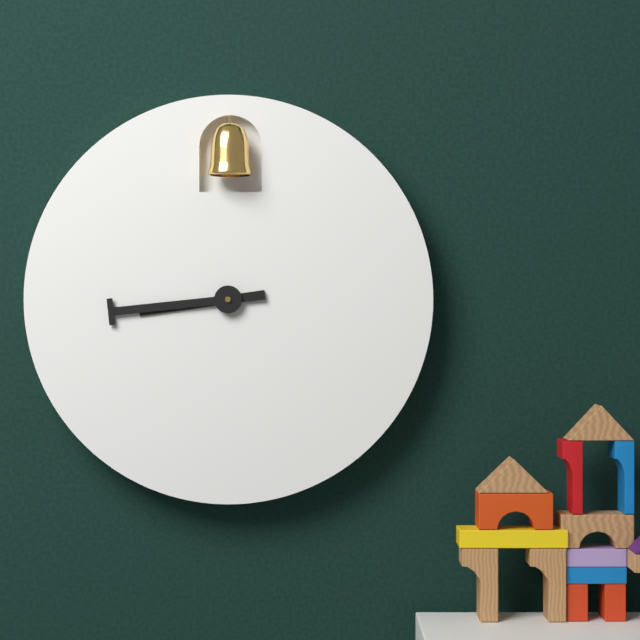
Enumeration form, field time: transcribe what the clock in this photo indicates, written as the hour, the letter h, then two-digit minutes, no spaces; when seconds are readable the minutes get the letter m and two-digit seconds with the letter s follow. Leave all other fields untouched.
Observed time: 8h44
